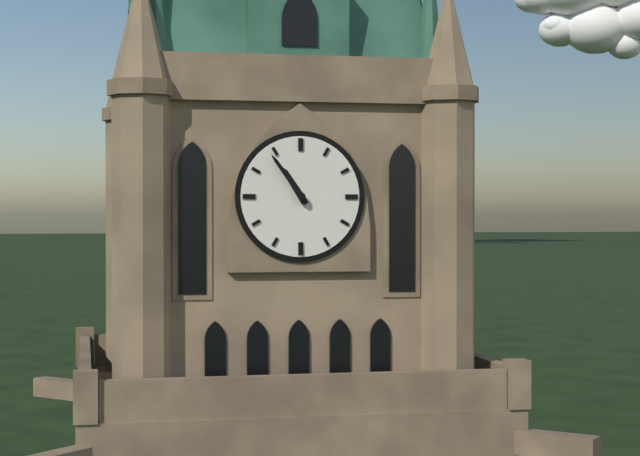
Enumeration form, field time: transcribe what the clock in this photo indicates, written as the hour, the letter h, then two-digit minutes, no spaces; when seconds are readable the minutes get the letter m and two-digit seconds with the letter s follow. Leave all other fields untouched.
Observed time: 10h54
